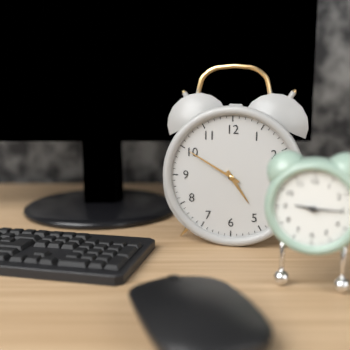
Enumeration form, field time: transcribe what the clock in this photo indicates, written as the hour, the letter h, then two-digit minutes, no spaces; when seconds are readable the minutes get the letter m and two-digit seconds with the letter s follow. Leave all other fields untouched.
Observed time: 4h50
